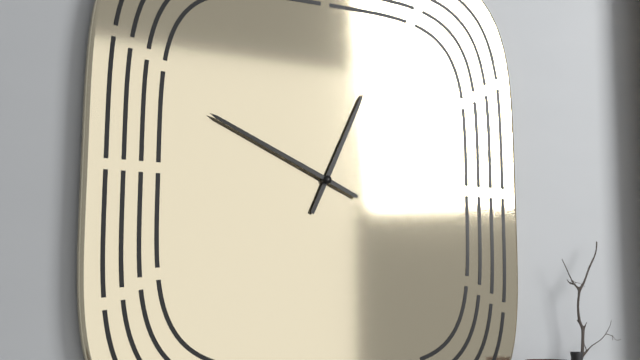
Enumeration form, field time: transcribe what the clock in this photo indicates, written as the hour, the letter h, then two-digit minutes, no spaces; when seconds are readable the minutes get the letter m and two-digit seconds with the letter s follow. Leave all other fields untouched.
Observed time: 12h49
